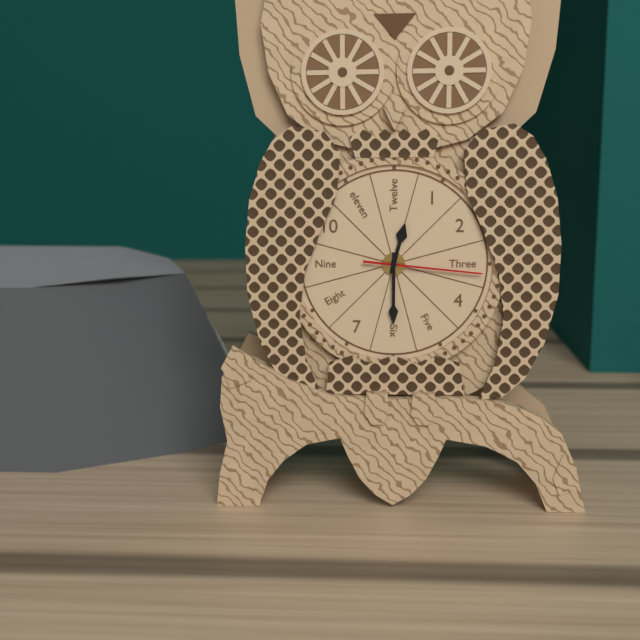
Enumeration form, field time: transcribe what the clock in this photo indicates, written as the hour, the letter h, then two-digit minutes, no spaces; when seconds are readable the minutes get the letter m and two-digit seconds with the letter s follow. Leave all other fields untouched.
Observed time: 12h30m16s
